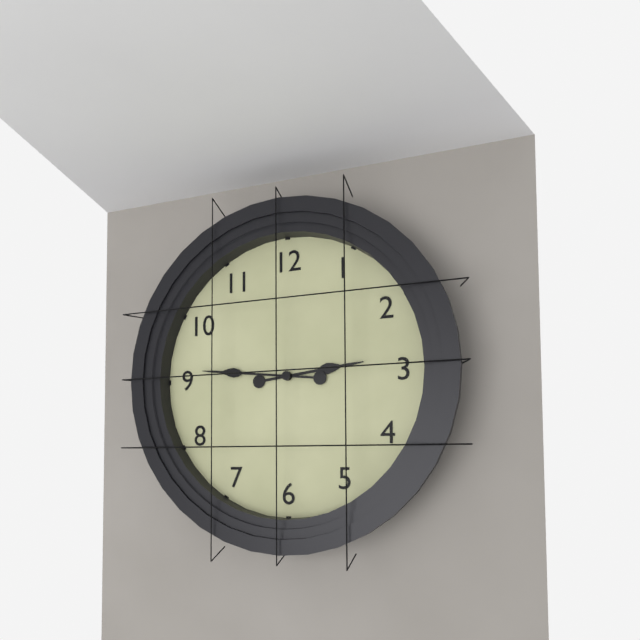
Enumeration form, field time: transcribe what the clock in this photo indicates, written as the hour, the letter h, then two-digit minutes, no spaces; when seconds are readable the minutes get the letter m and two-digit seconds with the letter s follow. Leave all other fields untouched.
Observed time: 2h46
